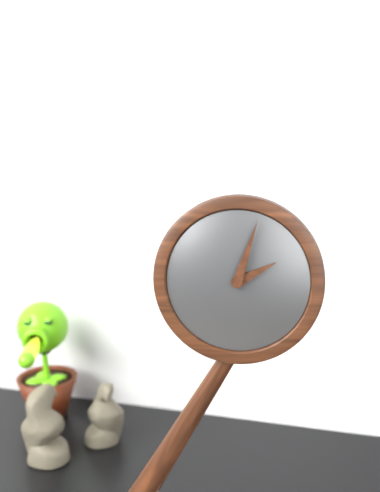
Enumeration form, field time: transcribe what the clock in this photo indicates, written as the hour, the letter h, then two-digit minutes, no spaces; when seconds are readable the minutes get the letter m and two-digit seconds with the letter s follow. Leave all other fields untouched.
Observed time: 2h03
